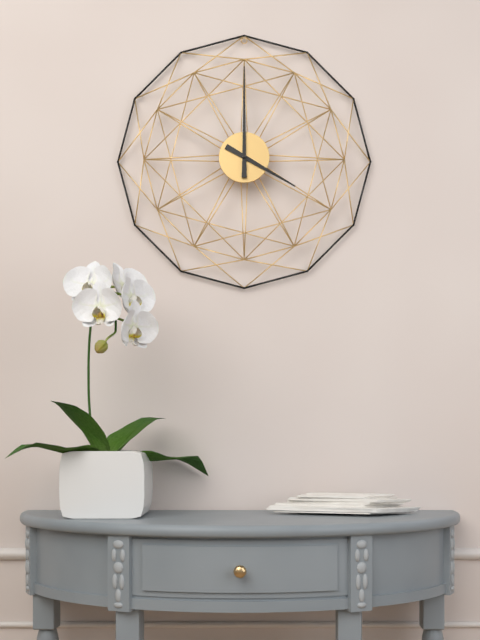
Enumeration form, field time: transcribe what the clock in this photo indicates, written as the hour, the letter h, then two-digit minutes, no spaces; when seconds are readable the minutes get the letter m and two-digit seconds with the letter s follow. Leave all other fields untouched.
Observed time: 4h00
